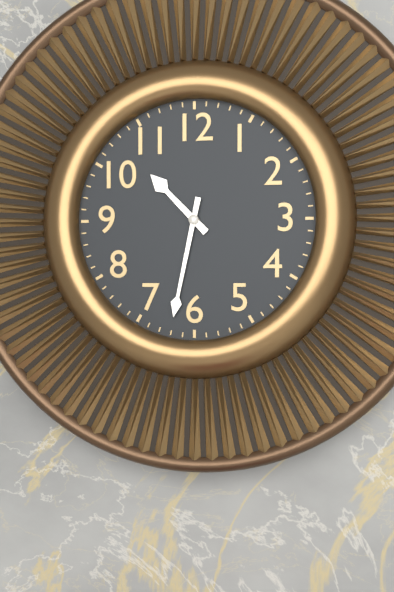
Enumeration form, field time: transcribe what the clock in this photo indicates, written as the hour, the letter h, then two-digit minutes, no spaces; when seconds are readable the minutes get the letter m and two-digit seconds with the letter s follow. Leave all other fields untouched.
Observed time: 10h32
